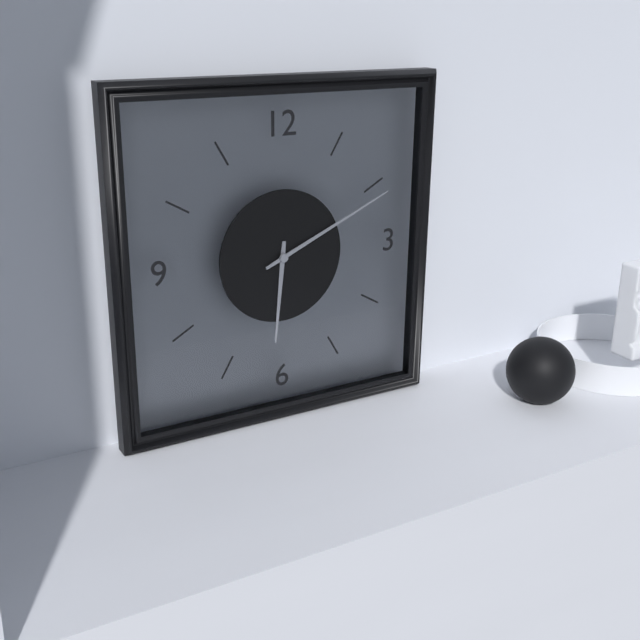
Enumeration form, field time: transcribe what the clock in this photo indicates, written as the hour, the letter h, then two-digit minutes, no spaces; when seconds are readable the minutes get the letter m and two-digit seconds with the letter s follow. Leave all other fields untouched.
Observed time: 6h11
